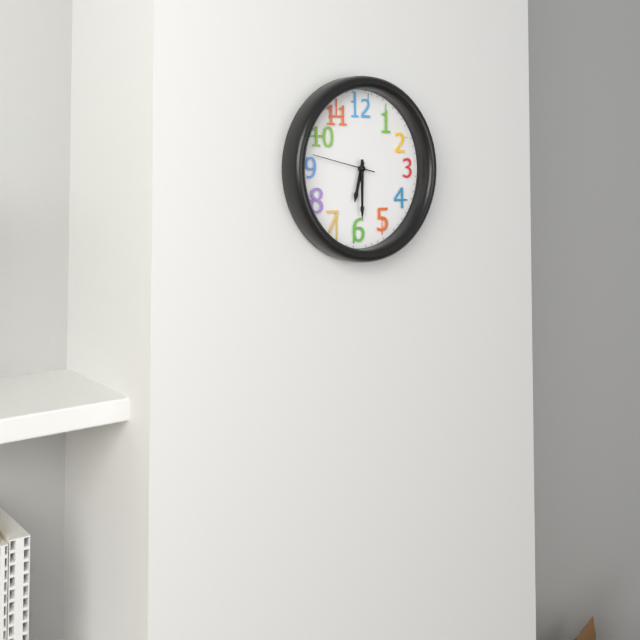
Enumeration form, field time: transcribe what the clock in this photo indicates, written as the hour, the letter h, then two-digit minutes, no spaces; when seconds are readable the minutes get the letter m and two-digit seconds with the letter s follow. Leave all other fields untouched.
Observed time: 6h30m47s
